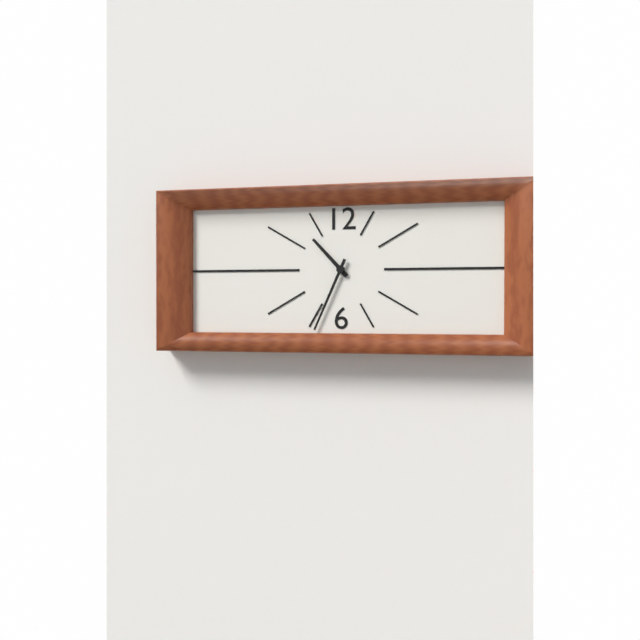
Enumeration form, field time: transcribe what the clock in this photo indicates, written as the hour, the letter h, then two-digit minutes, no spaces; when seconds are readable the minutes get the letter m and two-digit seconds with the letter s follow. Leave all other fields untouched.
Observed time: 10h34
